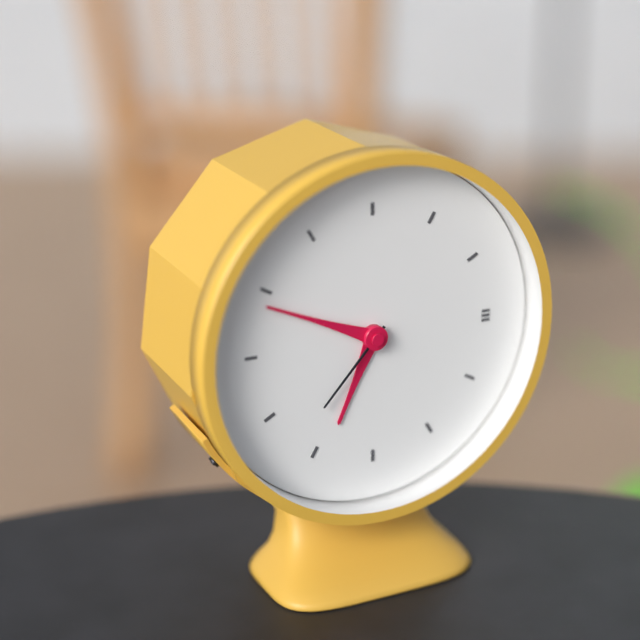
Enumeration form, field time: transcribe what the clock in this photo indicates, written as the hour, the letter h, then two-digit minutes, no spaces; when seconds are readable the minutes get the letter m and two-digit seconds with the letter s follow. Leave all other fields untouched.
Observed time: 6h49m37s
